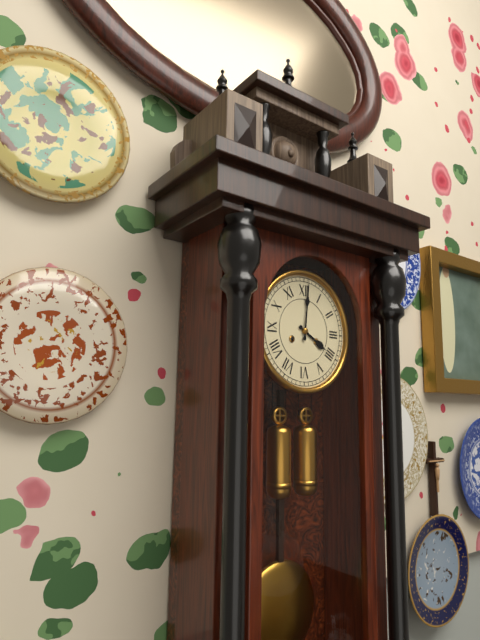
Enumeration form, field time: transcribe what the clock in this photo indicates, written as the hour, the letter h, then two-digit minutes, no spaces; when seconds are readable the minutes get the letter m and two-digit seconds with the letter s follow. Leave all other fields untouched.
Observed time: 4h01
